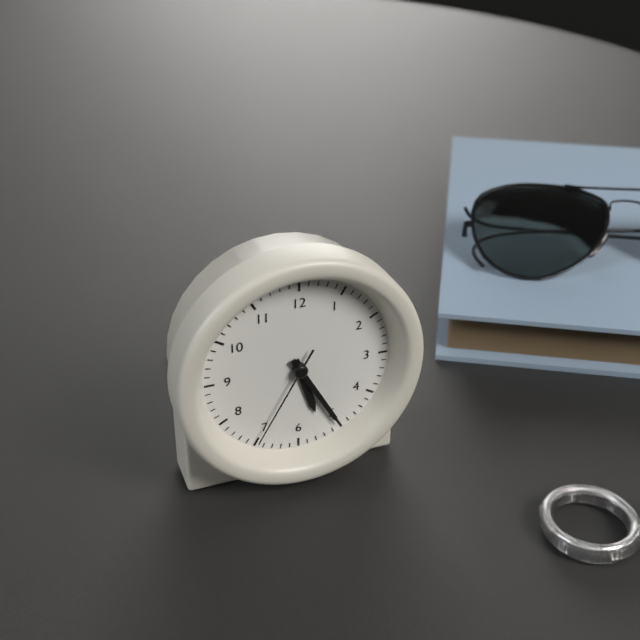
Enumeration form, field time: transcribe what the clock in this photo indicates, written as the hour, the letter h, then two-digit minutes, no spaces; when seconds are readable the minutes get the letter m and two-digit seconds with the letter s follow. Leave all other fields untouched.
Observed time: 5h25m35s
